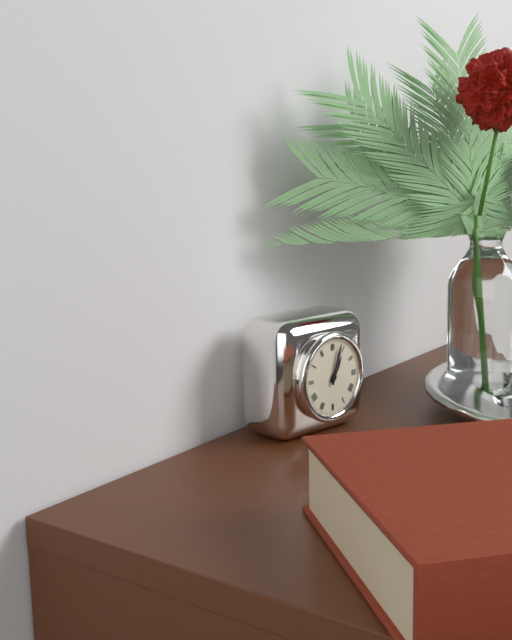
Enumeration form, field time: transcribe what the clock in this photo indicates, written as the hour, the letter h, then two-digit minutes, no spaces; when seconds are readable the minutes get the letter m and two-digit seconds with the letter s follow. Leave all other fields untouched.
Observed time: 1h03
